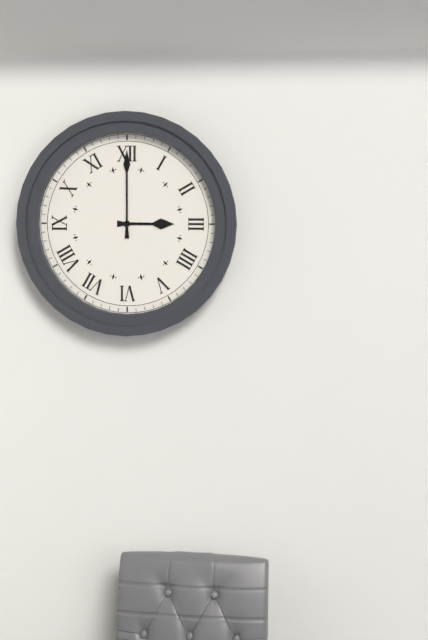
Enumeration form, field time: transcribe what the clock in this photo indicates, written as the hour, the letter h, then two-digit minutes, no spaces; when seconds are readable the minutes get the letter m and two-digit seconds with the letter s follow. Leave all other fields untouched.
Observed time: 3h00
